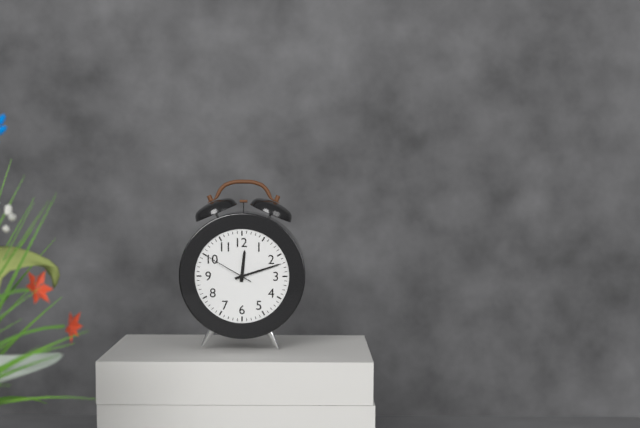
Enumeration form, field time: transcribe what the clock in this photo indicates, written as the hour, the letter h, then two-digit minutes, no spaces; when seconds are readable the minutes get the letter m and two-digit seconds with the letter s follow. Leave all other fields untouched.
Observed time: 12h12m50s
